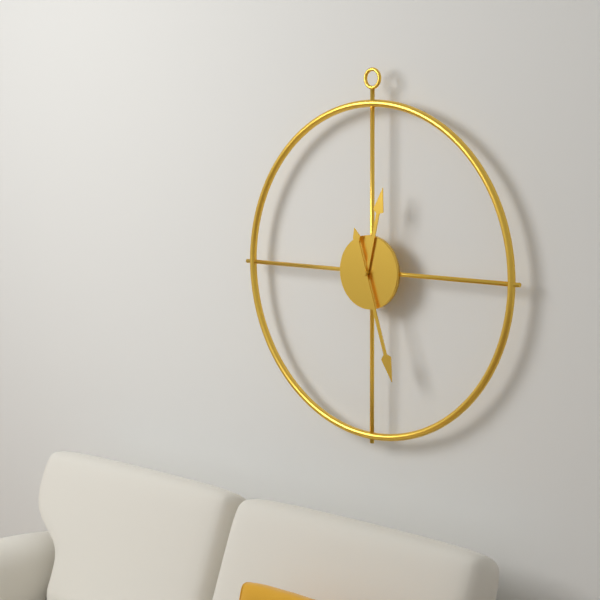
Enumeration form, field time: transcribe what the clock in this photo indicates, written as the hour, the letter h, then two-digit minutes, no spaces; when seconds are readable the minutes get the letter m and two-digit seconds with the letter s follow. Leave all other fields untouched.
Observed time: 12h27
